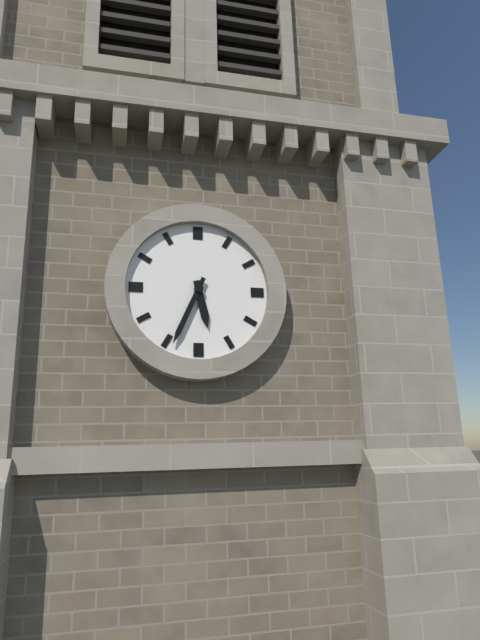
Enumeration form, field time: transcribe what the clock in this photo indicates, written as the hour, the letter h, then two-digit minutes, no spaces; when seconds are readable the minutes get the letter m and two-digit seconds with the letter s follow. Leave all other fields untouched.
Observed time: 5h34
